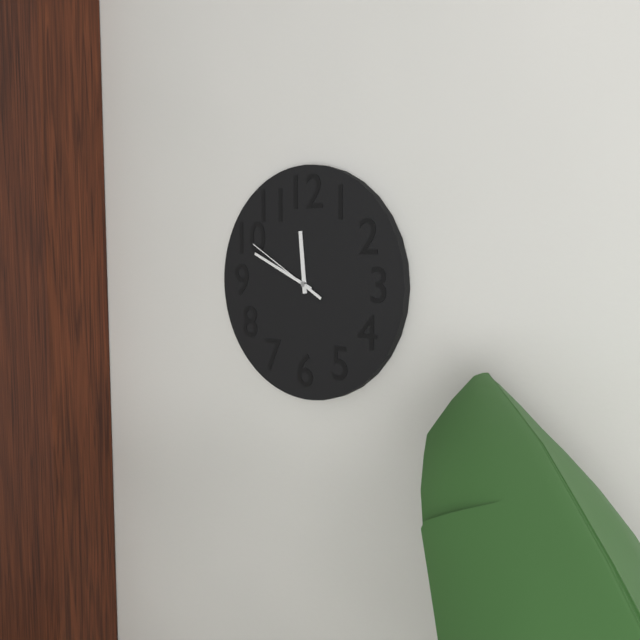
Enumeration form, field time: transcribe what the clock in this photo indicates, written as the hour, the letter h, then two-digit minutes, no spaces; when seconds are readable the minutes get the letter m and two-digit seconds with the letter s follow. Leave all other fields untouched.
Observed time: 11h49m50s
